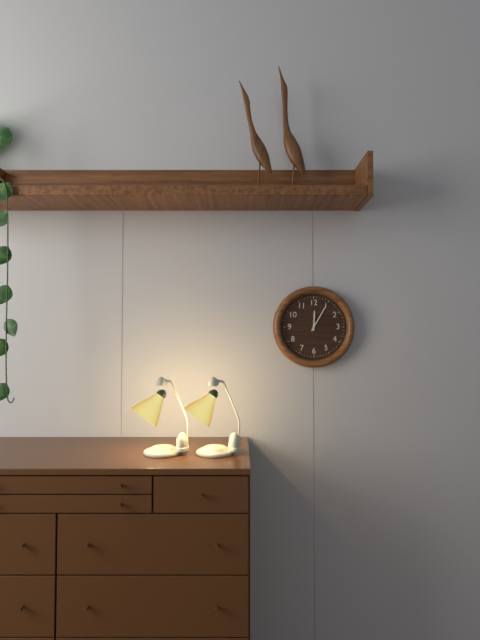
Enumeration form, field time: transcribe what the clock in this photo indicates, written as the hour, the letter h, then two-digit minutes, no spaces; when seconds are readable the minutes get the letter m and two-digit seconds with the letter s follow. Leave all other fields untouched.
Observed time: 12h05
